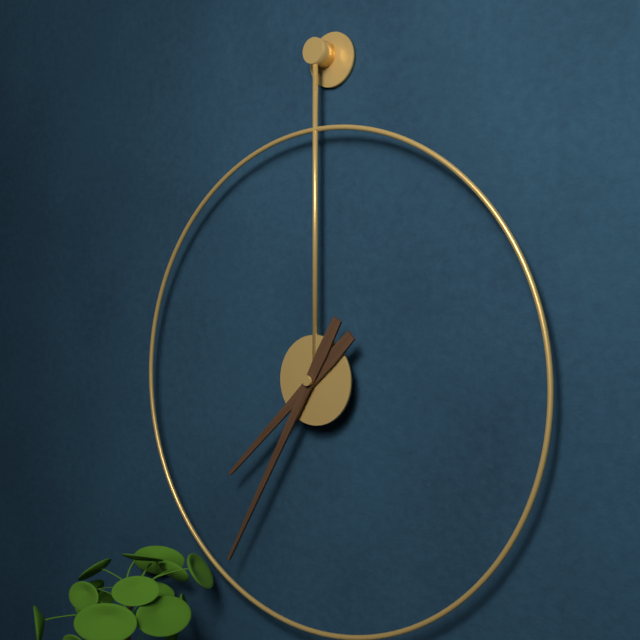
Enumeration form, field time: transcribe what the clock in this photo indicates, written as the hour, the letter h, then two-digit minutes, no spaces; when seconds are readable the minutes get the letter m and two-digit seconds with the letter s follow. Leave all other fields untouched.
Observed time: 7h35
